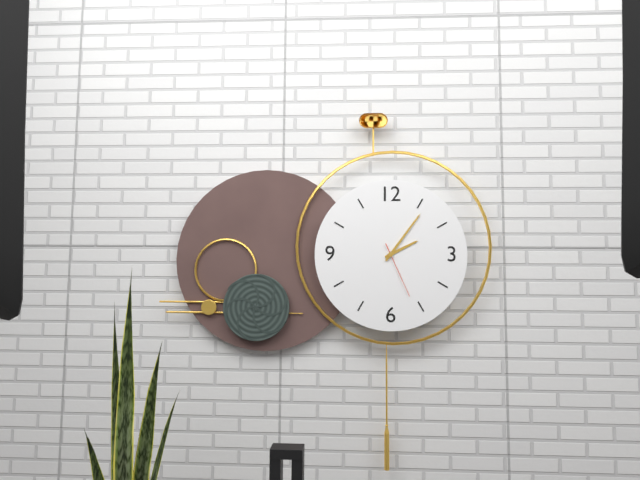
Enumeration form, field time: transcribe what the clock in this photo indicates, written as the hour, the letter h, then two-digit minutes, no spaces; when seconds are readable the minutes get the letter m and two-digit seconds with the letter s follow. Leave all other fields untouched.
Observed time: 2h06m26s
